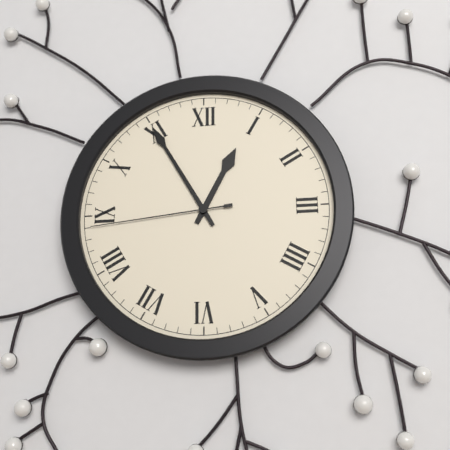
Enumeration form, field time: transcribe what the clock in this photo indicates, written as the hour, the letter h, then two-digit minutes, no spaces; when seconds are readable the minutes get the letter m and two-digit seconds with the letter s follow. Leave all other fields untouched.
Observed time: 12h55m44s
